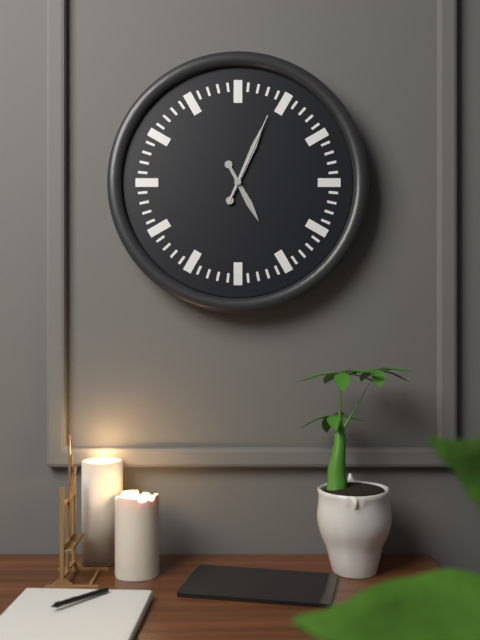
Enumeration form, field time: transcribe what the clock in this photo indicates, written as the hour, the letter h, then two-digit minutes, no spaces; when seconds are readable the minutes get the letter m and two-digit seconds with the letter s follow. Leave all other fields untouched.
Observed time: 5h04m04s
